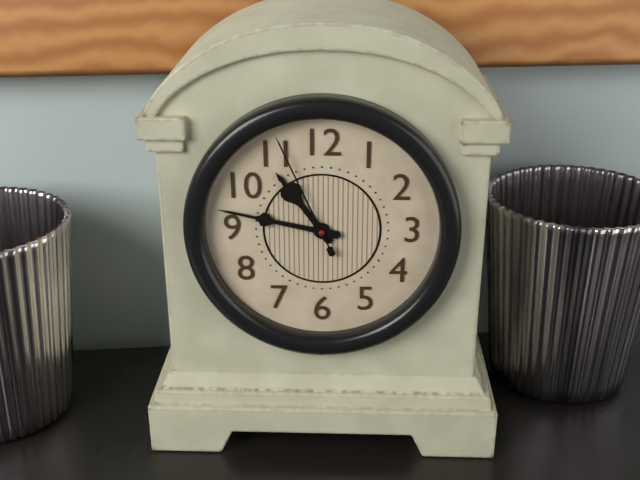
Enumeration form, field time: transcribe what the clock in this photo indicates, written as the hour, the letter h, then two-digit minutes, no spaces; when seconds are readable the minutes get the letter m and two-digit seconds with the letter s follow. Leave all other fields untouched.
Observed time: 10h47m56s
